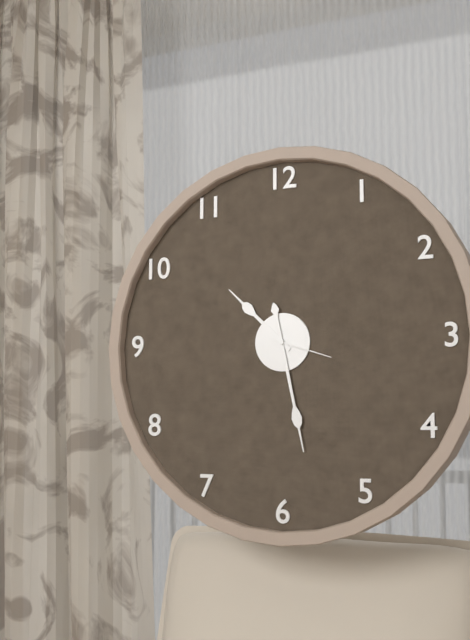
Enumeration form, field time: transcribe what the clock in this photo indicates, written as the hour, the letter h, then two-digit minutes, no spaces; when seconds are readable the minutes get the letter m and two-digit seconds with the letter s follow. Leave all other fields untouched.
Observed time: 10h28m18s
